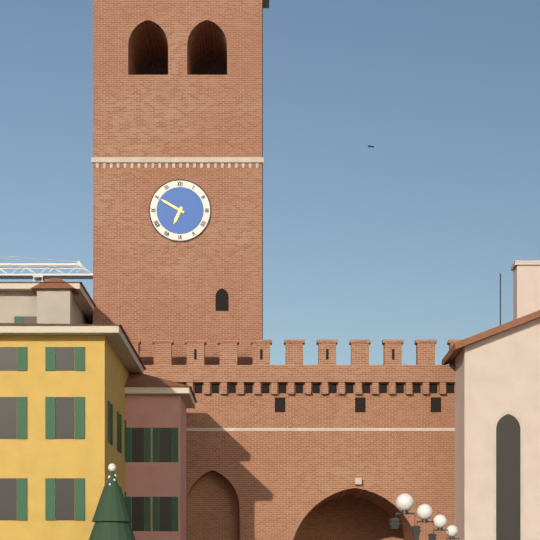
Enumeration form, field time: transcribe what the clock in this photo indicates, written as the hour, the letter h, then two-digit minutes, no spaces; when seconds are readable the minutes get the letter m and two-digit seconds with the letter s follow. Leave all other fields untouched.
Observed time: 6h50
